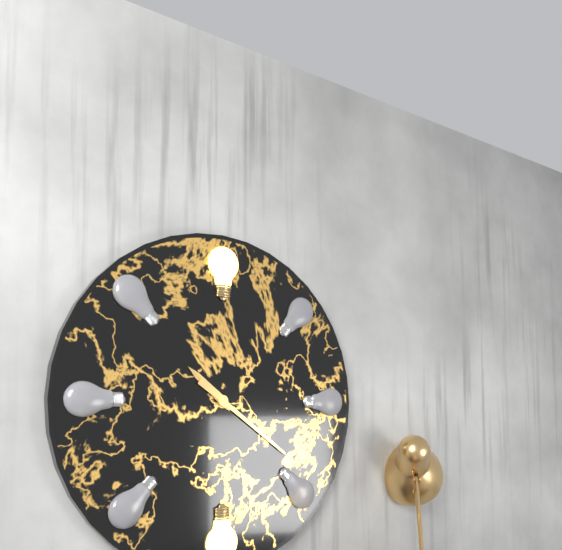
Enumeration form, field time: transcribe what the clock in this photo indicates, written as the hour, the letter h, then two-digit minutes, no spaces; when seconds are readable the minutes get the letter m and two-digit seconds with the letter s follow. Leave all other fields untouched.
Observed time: 10h21
